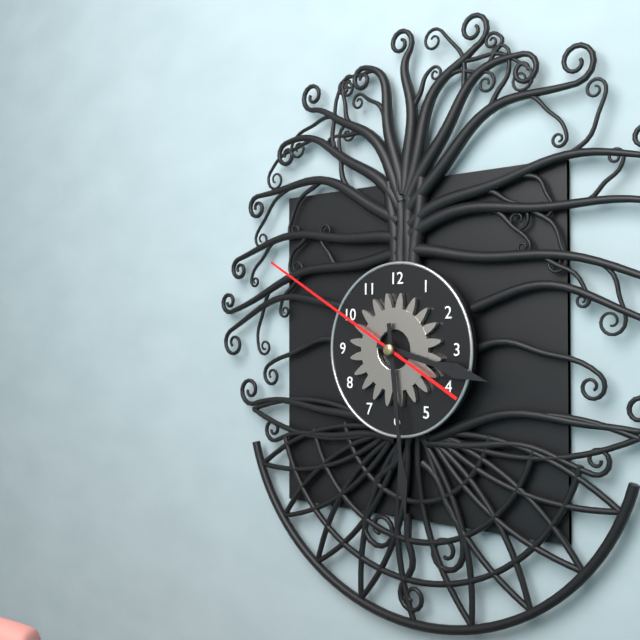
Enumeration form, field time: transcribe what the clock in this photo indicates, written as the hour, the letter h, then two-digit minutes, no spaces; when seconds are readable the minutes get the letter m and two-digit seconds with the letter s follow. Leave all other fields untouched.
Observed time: 3h29m50s
